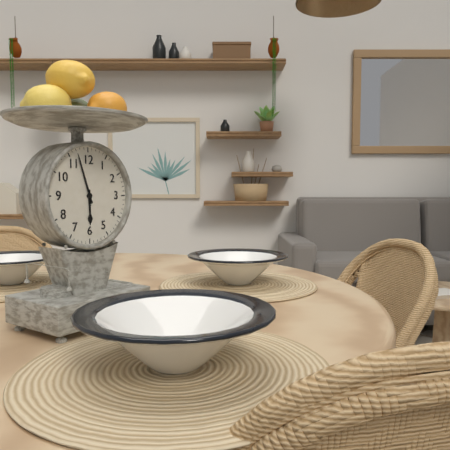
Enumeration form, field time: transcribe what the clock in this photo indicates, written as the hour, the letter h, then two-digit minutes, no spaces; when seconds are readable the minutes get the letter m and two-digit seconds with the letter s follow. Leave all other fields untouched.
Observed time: 5h57
